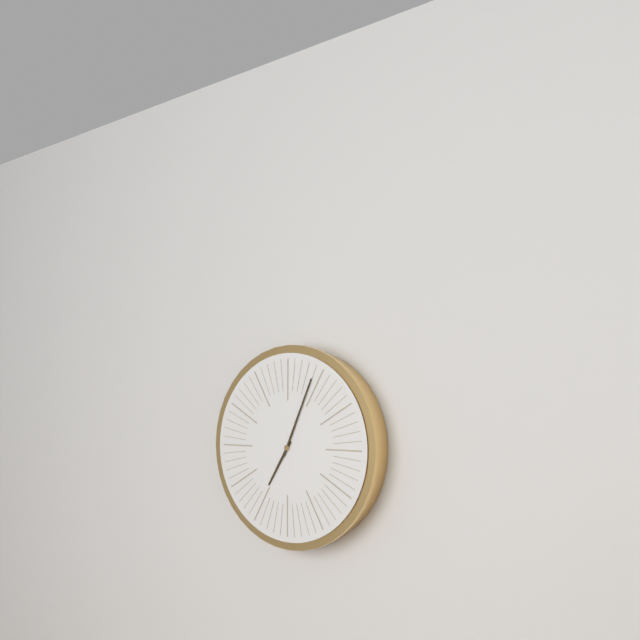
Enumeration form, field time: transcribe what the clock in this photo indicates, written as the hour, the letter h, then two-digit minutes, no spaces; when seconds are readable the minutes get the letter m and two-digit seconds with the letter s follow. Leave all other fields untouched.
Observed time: 7h04
